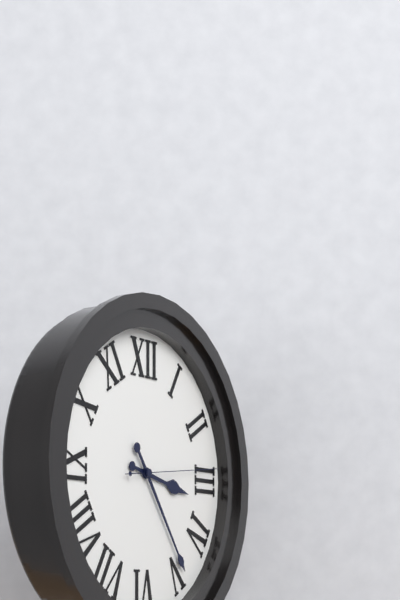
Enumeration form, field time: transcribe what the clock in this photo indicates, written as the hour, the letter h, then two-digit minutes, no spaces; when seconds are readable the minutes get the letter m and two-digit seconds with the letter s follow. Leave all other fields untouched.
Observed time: 3h24m14s
